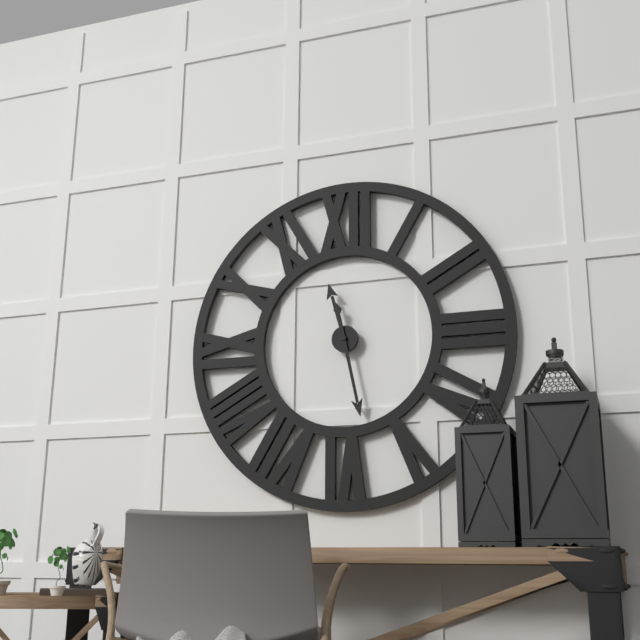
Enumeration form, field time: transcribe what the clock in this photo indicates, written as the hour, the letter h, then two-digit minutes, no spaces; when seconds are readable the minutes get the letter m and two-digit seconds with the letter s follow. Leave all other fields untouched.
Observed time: 11h28
